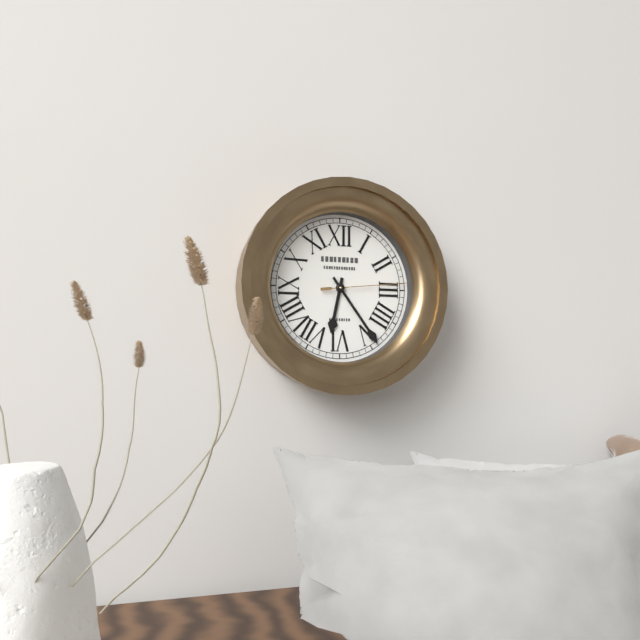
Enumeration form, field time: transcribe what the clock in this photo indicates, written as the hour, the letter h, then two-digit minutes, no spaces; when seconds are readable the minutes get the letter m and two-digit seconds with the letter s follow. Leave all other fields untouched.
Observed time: 6h24m14s
